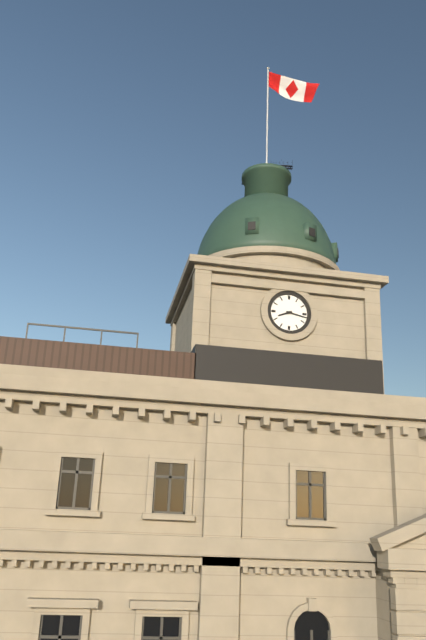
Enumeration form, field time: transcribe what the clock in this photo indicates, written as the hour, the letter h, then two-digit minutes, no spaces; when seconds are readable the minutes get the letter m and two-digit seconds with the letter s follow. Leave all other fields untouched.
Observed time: 8h17
